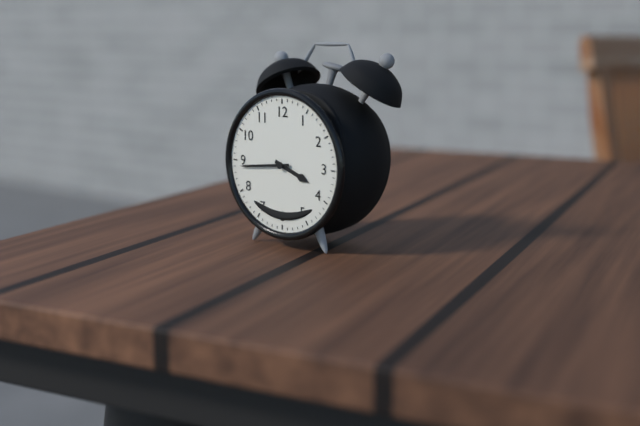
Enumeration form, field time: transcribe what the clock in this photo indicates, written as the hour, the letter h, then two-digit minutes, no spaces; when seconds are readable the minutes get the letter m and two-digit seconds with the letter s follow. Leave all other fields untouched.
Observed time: 3h44
